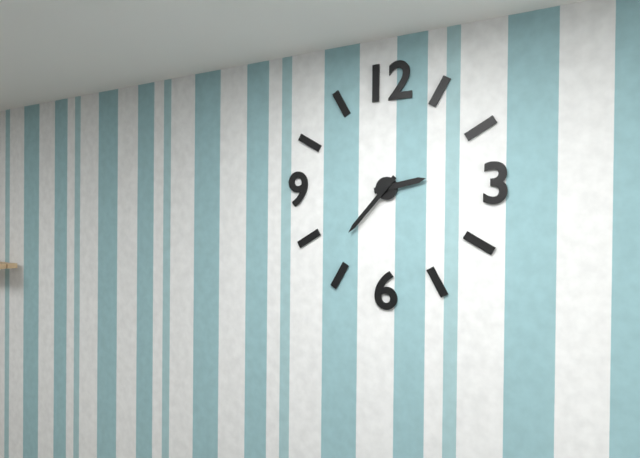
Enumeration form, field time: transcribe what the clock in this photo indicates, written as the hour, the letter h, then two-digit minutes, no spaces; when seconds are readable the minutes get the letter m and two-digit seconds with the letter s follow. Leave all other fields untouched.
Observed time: 2h37
